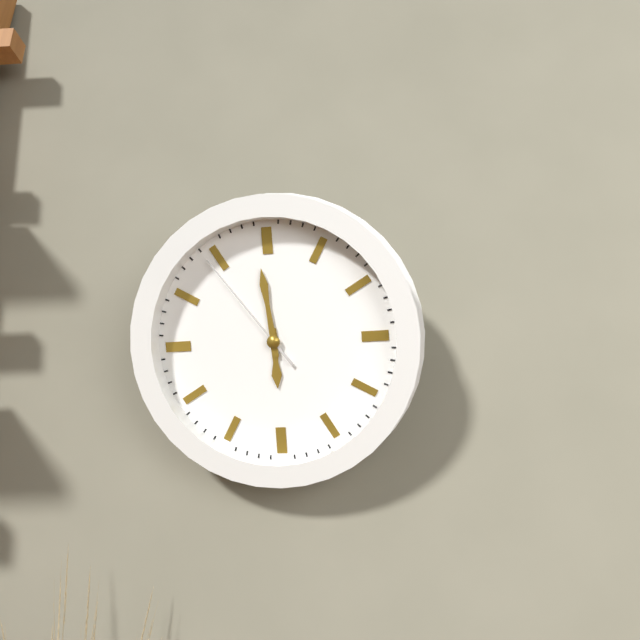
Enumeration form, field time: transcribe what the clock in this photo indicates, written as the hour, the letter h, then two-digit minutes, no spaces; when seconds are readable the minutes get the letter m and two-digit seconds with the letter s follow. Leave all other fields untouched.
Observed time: 5h59m54s
